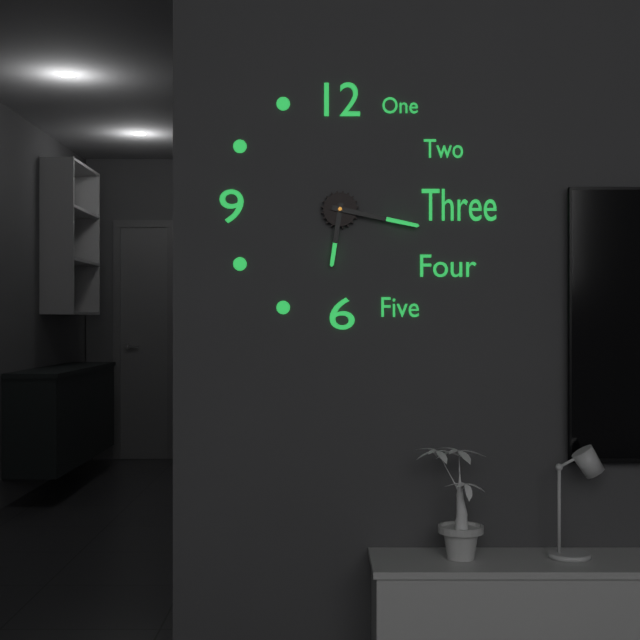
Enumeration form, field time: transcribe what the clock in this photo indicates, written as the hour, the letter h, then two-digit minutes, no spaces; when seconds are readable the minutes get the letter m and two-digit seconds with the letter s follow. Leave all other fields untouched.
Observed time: 6h17
